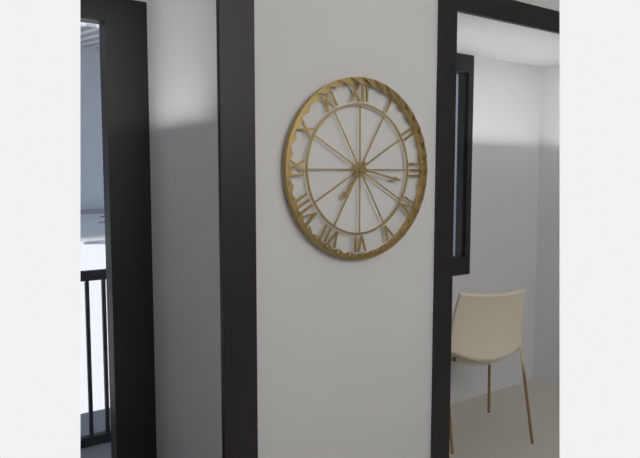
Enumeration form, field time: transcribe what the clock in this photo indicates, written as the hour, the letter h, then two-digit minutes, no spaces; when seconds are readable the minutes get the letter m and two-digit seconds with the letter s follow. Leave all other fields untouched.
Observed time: 7h17
